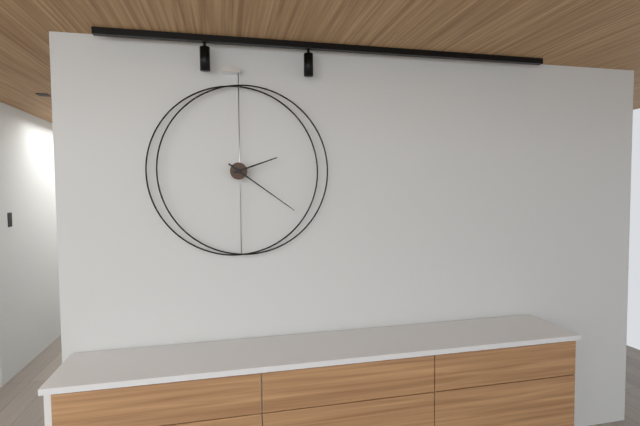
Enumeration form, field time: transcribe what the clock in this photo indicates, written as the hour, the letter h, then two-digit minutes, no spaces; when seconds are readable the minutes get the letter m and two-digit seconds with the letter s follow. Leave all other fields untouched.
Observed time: 2h21
